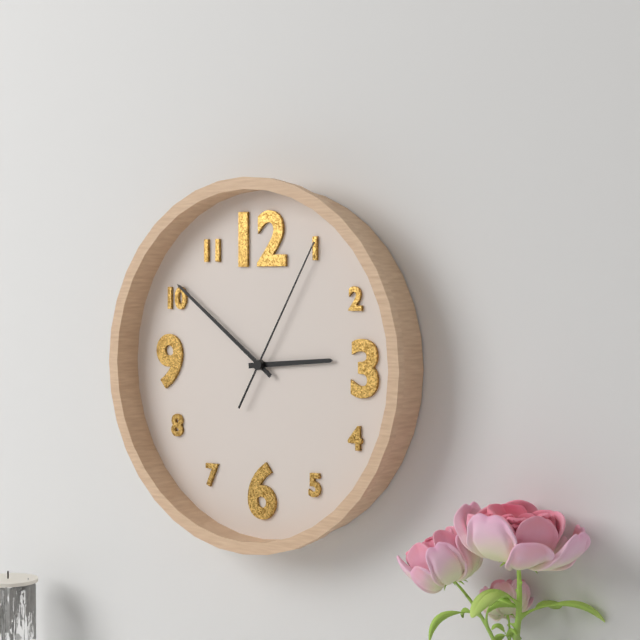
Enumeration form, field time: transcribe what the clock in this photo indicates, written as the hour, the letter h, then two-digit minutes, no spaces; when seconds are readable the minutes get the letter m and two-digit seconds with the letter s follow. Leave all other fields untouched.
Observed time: 2h51m05s
